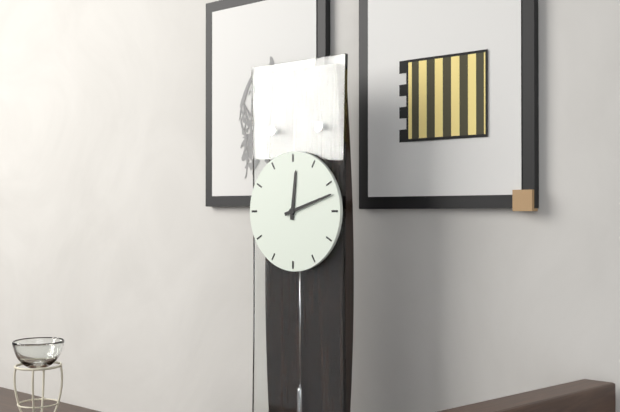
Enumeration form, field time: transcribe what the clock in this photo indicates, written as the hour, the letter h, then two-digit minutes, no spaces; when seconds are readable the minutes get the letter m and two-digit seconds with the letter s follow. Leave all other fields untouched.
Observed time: 12h12
